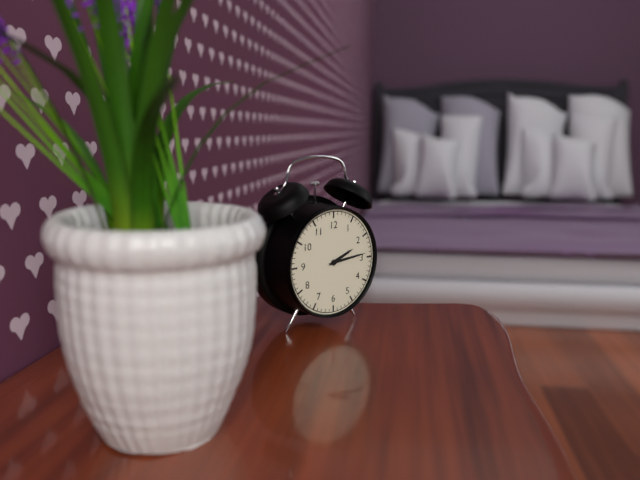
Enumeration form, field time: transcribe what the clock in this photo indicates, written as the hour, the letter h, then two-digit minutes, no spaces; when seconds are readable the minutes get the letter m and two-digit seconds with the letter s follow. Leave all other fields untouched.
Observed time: 2h14
